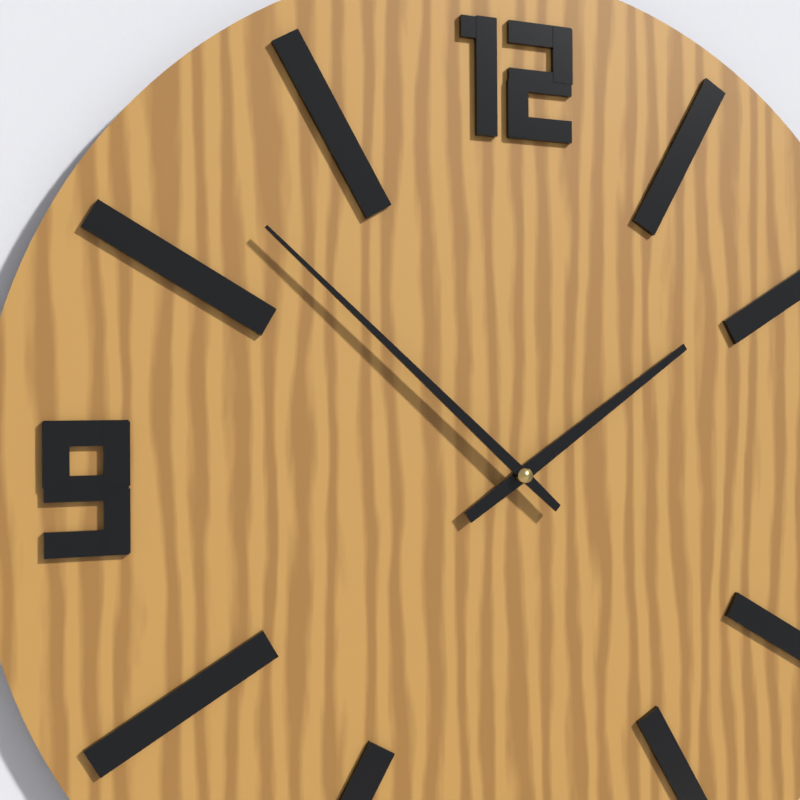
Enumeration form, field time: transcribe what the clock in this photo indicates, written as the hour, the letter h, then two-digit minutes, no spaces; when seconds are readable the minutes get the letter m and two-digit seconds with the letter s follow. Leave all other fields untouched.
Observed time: 1h52
